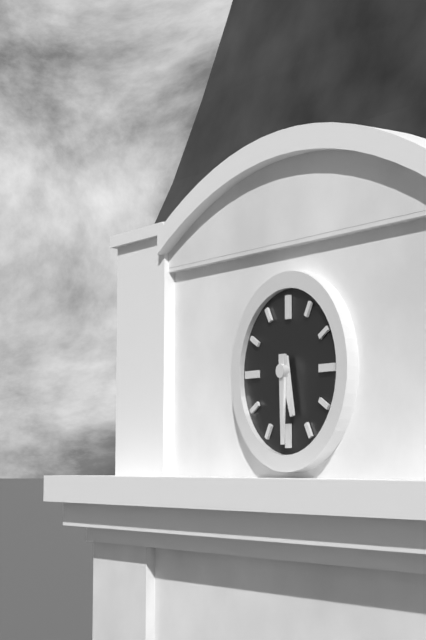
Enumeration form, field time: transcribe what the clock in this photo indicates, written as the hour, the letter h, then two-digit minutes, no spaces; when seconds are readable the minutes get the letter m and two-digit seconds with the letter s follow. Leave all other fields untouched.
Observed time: 5h30
